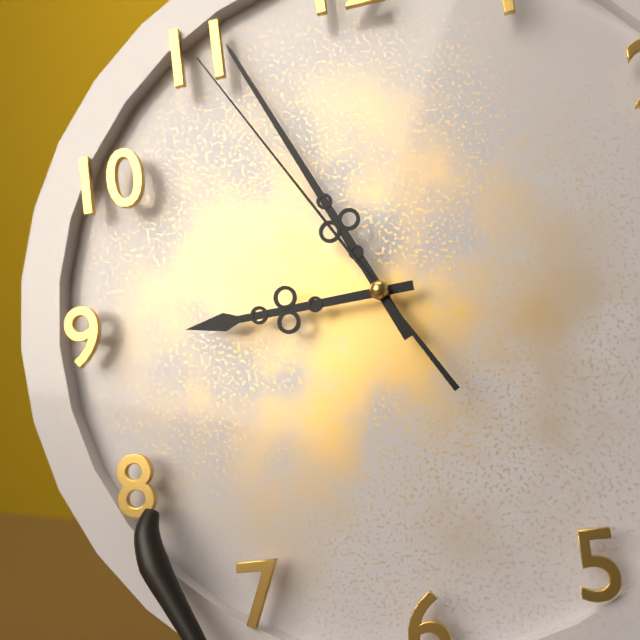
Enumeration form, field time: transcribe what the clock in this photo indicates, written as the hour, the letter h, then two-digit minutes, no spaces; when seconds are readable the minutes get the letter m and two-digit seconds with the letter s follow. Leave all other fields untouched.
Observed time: 8h56m55s
